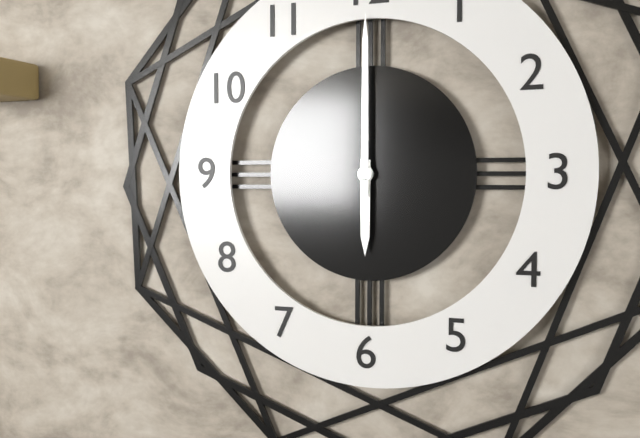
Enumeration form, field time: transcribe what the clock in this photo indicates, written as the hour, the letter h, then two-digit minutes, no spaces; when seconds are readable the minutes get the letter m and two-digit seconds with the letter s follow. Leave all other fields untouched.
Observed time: 6h00
